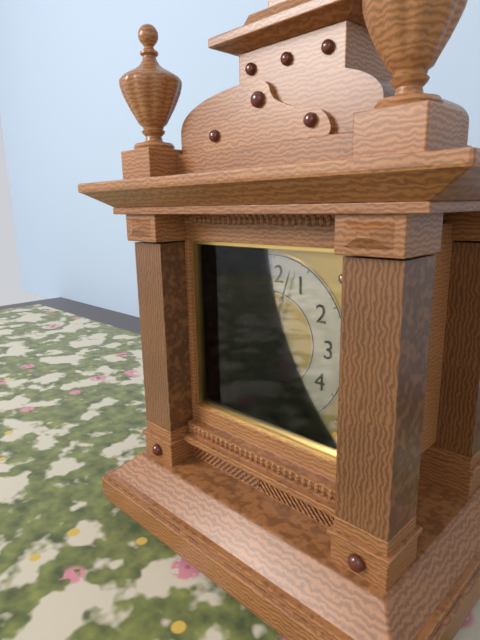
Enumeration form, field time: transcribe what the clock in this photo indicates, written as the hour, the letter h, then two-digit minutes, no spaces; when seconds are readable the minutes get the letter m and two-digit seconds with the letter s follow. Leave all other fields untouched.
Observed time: 8h03
